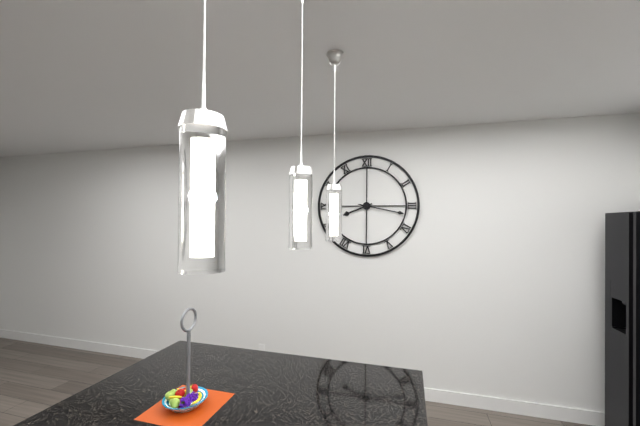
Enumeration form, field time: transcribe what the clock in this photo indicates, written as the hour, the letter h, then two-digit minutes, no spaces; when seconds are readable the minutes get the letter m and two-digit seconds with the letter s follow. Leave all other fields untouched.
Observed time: 8h17
